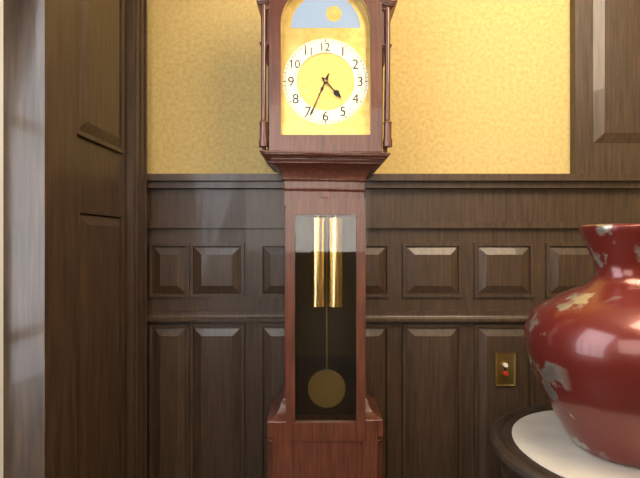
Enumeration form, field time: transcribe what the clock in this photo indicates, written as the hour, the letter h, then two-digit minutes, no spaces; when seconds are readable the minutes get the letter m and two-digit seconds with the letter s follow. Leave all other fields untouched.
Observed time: 4h34
